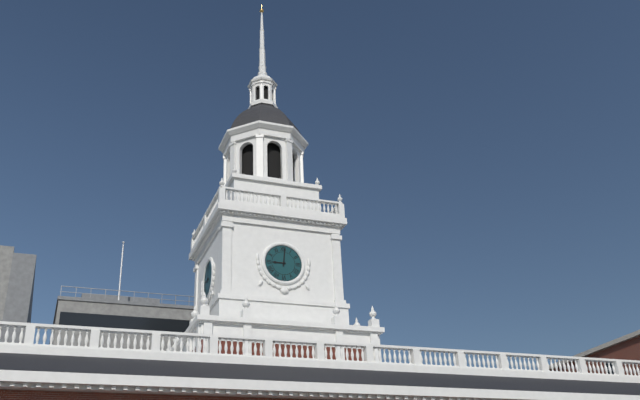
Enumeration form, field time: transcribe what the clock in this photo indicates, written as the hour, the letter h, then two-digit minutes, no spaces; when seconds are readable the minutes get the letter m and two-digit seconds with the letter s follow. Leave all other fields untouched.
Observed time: 9h01
